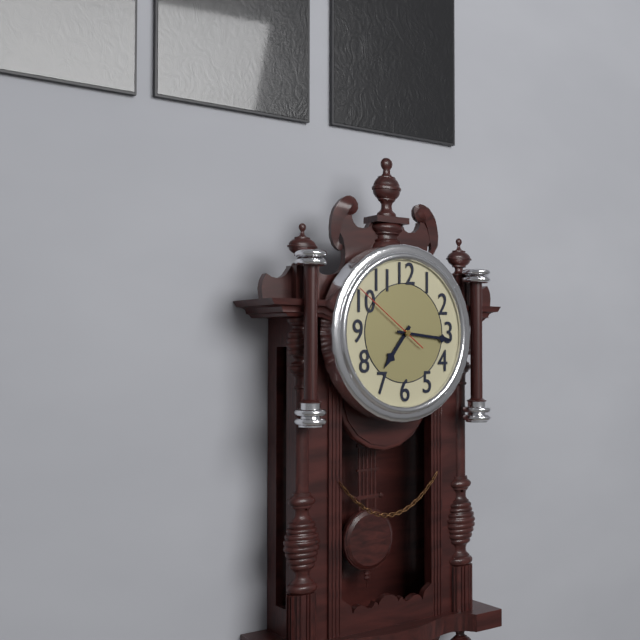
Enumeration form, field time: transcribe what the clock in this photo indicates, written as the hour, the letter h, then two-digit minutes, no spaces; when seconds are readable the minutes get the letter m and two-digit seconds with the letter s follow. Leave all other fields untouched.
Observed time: 7h16m51s
